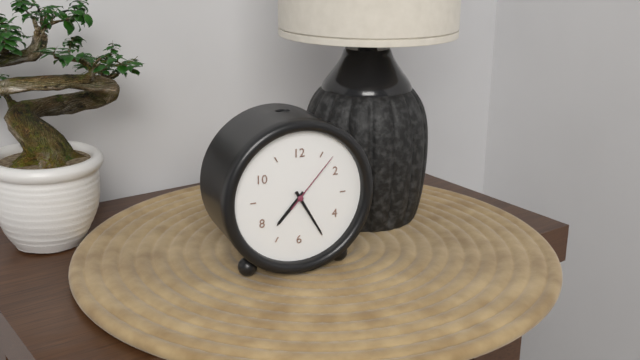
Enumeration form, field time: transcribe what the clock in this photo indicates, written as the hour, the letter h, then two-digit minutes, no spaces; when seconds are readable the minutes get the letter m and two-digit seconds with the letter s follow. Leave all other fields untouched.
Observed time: 7h25m07s
